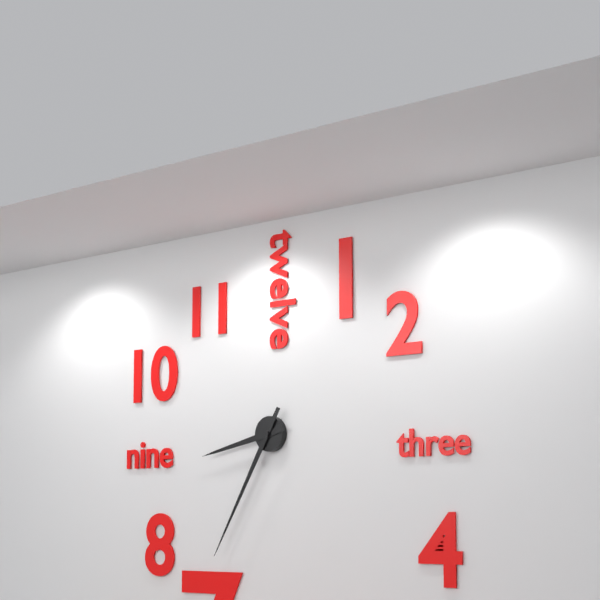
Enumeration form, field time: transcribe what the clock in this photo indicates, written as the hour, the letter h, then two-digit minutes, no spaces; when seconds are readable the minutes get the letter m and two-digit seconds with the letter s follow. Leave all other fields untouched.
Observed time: 8h35
